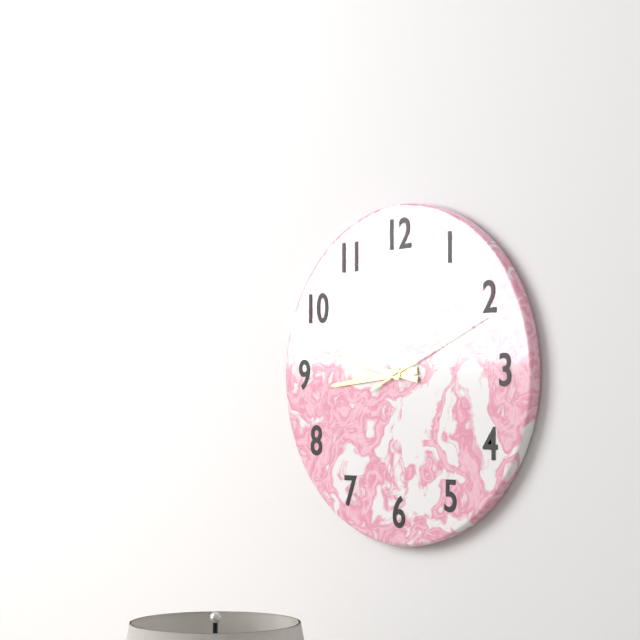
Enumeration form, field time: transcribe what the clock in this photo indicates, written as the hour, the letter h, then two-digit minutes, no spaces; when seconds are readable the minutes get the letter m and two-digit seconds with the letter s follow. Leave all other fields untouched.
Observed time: 8h47m11s
